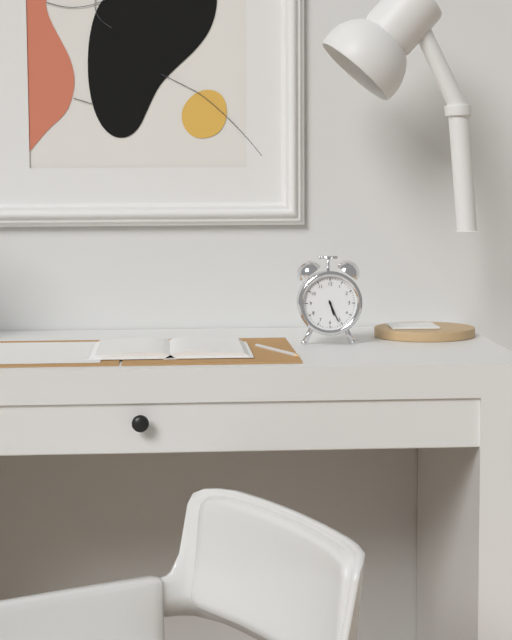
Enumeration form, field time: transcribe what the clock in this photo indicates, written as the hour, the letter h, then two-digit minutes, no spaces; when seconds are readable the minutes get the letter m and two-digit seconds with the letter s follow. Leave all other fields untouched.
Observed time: 5h26
